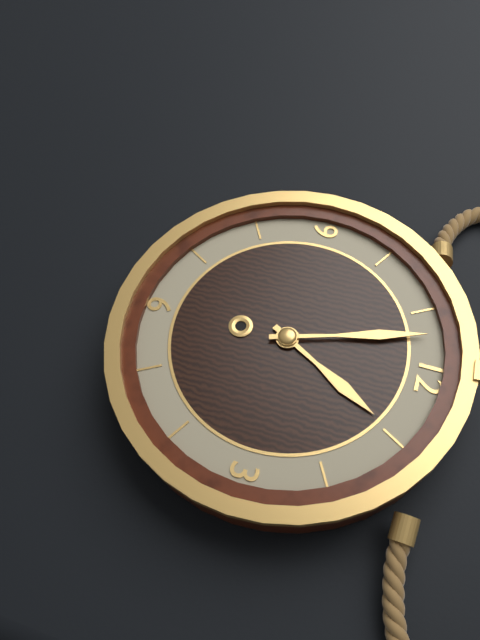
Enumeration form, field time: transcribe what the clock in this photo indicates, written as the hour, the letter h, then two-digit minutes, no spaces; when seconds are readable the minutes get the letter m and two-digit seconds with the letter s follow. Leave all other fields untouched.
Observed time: 12h57
